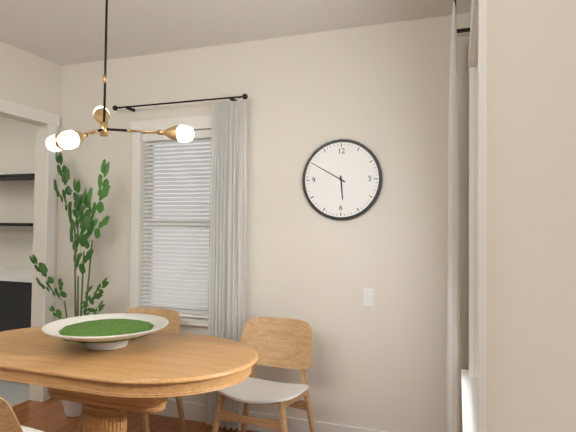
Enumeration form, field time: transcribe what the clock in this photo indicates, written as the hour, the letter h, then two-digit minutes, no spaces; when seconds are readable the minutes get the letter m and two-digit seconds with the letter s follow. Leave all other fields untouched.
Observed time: 5h50
